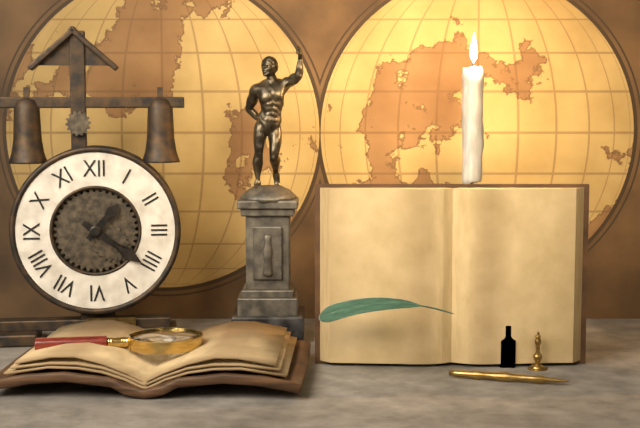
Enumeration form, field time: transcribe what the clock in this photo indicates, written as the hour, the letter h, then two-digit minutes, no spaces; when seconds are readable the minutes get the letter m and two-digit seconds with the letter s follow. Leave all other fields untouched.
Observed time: 1h21
